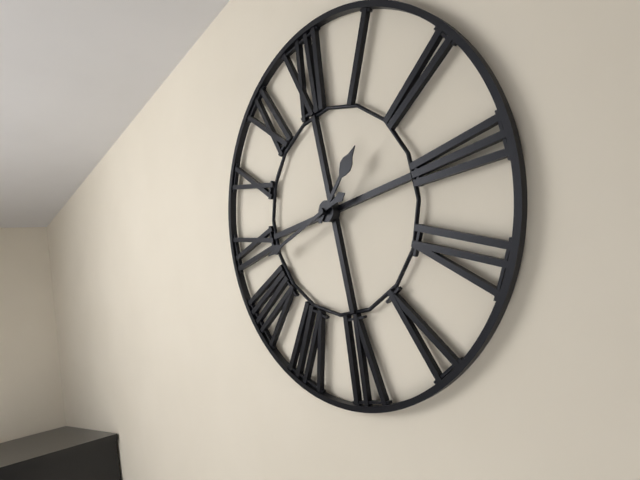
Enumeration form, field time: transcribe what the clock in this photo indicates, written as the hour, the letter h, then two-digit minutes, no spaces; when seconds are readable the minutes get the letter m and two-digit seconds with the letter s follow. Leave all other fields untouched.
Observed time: 1h43
